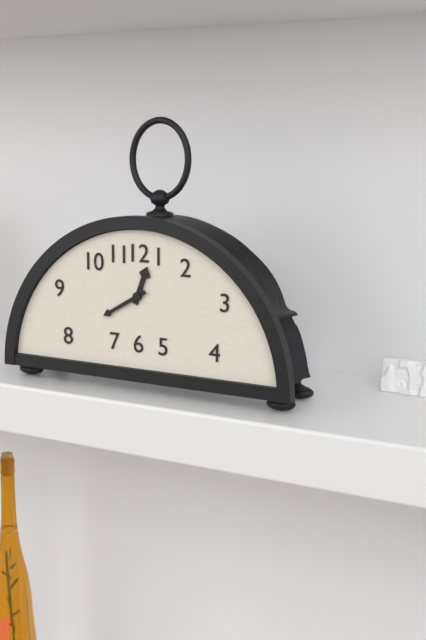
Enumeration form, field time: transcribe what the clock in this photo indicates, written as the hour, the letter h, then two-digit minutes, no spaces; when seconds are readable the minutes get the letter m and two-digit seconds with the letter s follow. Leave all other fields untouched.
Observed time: 12h40
